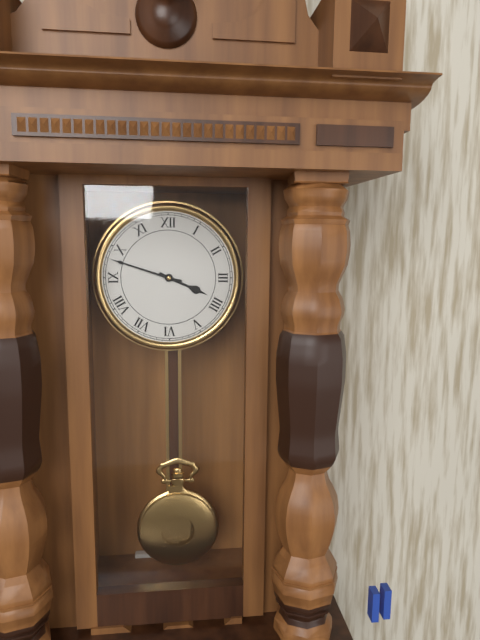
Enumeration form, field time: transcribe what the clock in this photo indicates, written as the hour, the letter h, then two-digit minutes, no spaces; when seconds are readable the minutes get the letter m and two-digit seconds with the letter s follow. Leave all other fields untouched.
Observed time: 3h48
